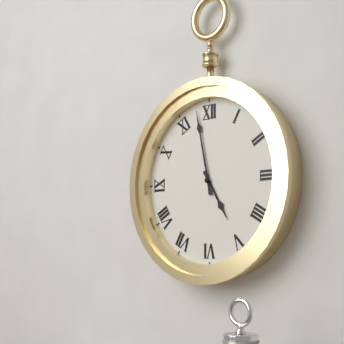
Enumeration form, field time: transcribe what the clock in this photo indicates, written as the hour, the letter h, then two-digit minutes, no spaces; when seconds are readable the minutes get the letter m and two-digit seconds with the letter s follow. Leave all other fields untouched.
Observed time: 4h58
